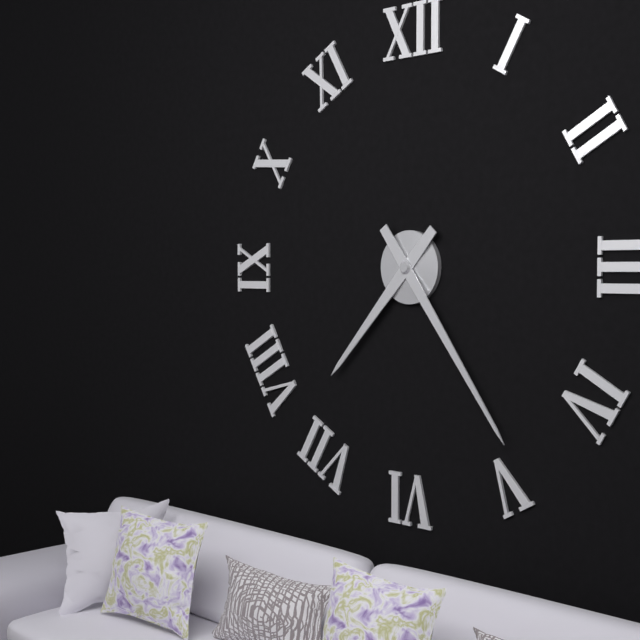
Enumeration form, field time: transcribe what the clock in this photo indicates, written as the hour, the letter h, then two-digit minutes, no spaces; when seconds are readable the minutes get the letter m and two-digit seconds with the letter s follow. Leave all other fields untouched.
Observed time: 7h24
